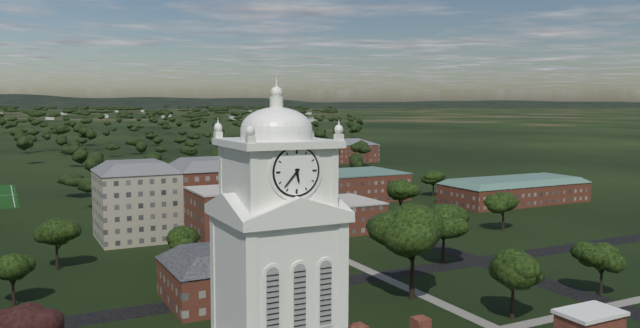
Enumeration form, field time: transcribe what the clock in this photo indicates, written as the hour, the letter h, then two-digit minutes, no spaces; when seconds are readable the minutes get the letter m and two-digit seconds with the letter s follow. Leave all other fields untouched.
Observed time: 5h37
